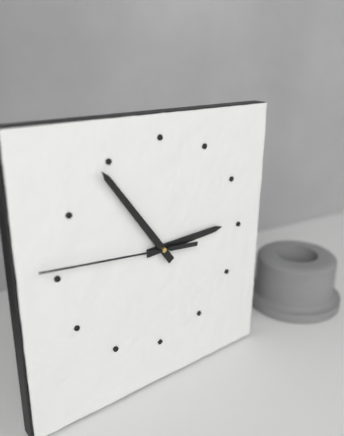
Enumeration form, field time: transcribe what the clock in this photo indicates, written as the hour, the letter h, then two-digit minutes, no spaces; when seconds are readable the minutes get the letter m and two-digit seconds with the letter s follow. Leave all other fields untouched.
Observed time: 2h54m46s
